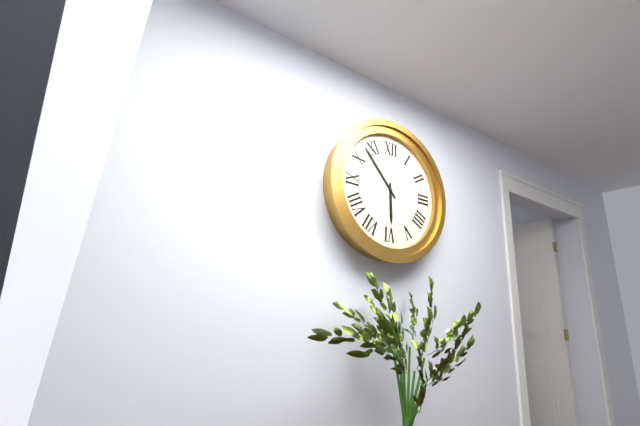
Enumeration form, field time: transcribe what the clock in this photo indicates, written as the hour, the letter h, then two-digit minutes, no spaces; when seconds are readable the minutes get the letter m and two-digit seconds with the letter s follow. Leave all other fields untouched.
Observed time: 5h53
